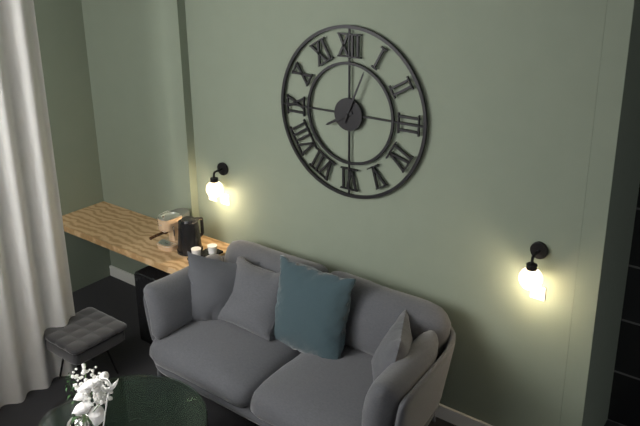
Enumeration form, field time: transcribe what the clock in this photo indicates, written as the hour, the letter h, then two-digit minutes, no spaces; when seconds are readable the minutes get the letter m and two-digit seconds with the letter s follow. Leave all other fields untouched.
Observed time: 8h04
